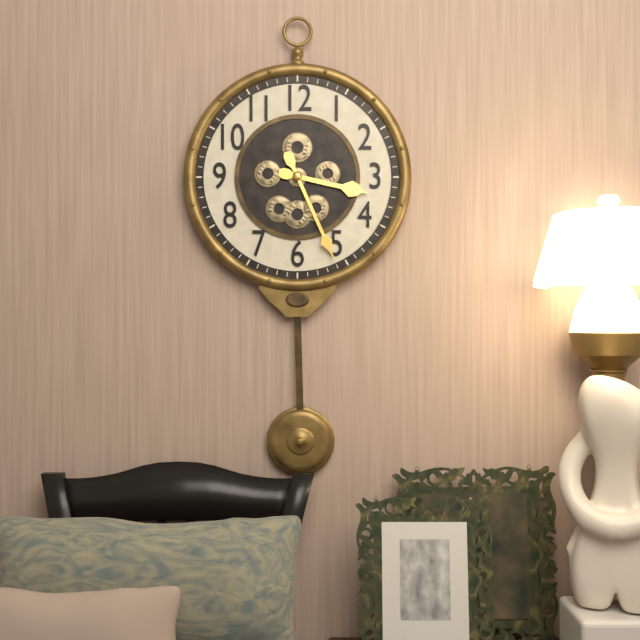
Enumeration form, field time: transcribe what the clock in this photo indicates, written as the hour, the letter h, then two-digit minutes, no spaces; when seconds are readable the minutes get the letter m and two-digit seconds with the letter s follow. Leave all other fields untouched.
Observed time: 3h26
